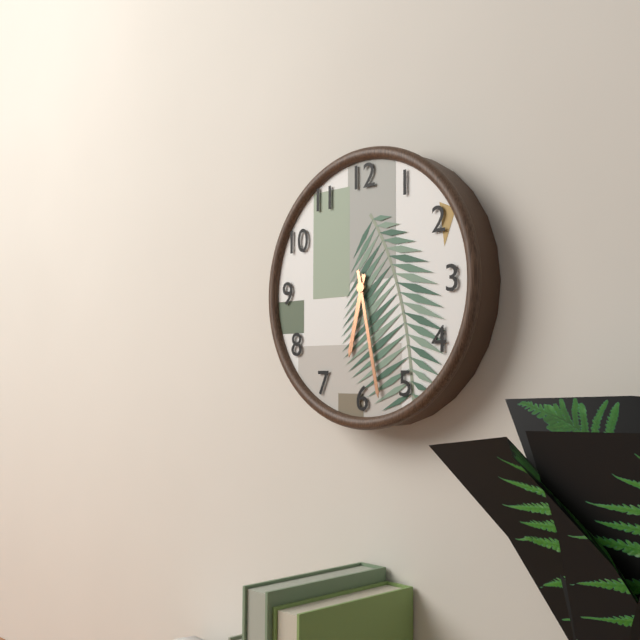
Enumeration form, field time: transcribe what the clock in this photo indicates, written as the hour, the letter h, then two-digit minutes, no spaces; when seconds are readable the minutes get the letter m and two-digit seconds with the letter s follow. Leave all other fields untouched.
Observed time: 6h28
